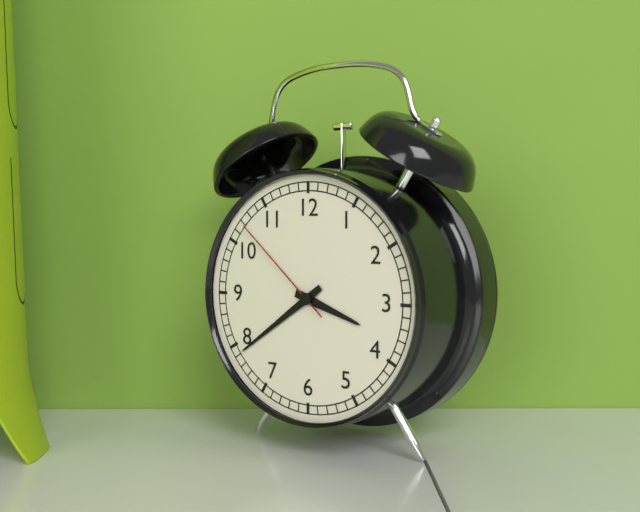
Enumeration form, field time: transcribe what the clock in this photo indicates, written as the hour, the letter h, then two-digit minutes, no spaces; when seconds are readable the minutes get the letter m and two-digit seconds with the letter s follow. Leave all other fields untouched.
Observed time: 3h39m52s
